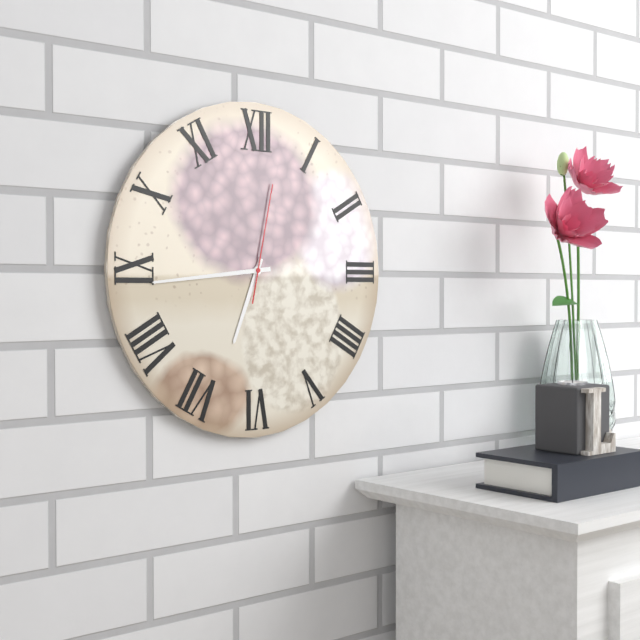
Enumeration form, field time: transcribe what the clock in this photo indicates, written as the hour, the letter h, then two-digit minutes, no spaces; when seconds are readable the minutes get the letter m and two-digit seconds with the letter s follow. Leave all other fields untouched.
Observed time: 6h44m02s
